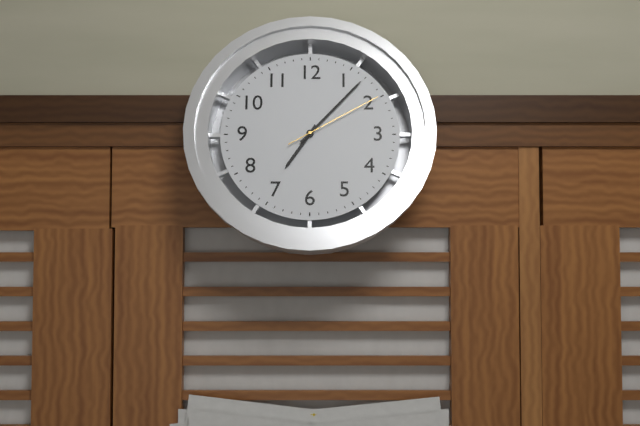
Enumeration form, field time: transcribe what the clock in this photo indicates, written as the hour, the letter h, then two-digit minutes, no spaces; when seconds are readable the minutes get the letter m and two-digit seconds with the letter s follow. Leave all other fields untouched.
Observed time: 7h07m10s
